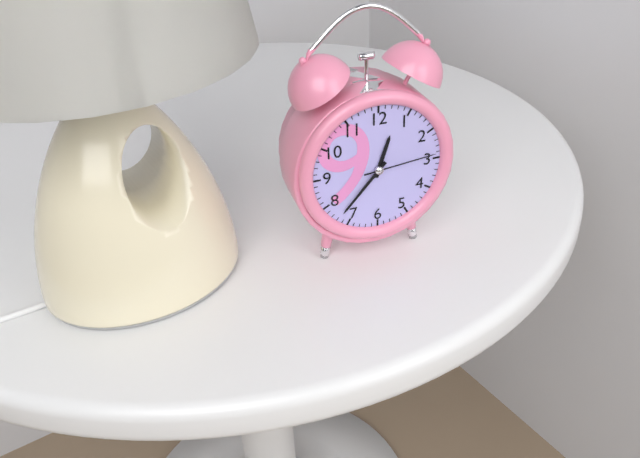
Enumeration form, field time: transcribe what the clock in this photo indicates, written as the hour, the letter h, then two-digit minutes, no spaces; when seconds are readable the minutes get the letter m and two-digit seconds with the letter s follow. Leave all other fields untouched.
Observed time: 12h37m14s
